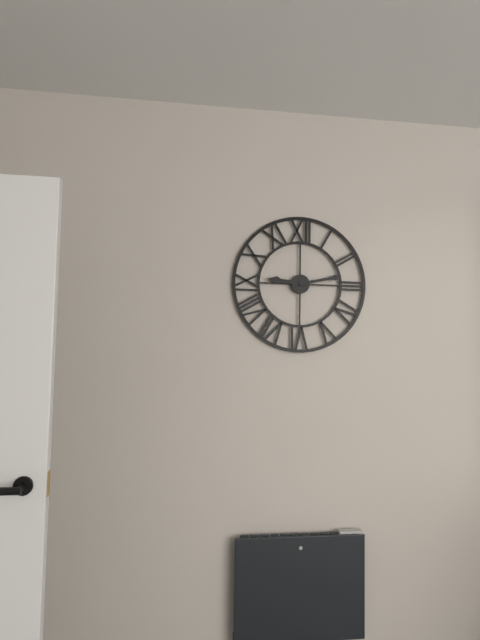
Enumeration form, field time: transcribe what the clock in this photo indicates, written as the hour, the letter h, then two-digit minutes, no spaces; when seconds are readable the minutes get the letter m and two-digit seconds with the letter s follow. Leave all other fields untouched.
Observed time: 9h13
